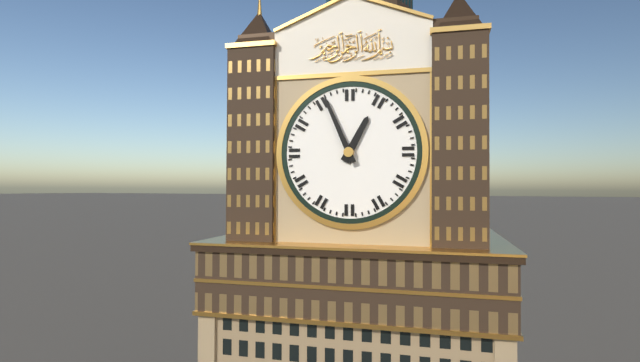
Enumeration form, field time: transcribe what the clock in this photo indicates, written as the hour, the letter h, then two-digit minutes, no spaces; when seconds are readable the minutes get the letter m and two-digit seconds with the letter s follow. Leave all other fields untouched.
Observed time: 12h56
